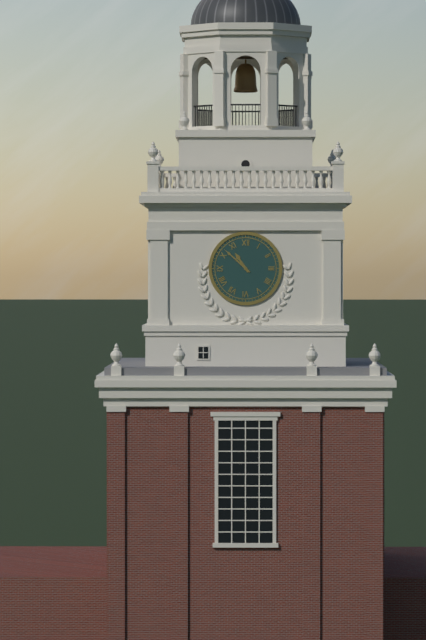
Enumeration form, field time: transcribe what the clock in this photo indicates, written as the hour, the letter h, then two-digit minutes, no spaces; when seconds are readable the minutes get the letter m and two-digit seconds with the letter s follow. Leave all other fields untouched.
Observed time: 10h52
